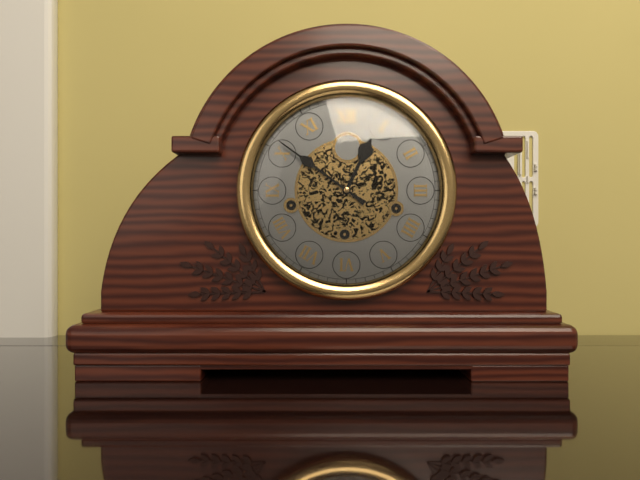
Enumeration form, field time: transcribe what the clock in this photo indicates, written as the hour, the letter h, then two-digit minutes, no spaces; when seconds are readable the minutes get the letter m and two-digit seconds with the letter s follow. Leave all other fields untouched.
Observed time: 12h51
